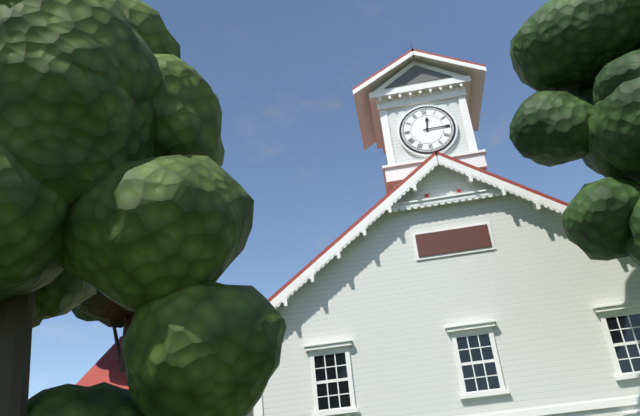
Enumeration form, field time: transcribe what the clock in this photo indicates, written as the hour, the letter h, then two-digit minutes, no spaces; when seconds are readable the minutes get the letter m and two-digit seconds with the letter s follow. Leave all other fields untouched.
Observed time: 12h15
